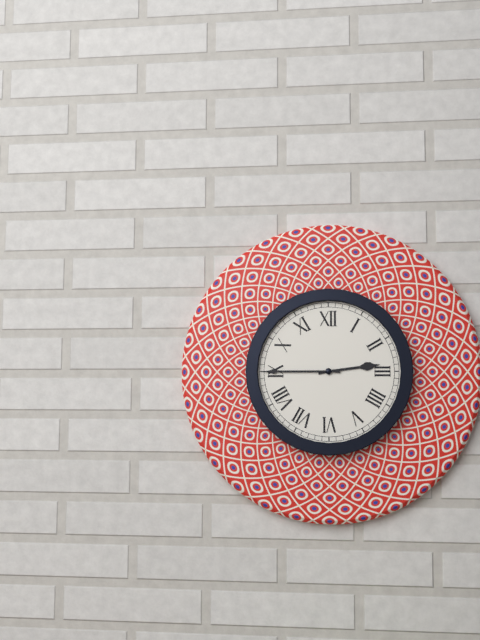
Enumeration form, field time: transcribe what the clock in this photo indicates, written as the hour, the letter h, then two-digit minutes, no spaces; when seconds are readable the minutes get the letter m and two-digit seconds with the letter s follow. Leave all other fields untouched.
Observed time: 2h45
